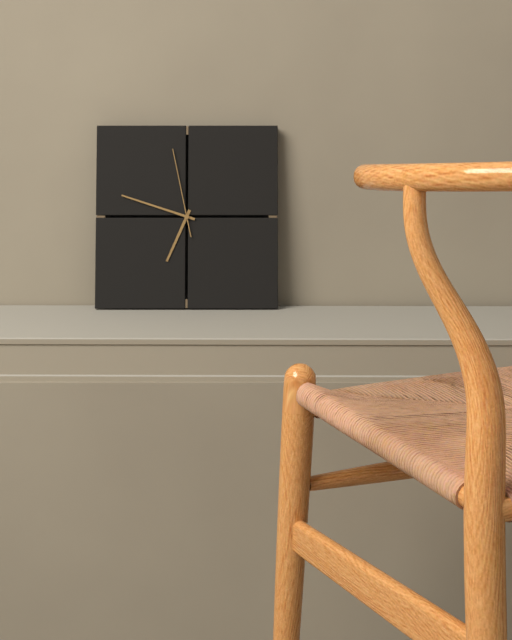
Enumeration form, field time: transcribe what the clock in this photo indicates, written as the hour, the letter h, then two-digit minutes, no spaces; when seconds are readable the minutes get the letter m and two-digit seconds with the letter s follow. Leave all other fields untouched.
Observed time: 6h48m58s
